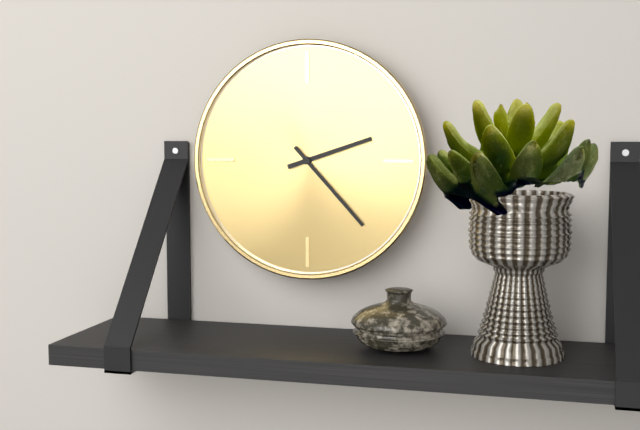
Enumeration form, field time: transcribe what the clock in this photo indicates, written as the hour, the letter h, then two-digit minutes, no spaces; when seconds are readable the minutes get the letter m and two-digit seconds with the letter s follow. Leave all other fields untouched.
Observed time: 2h23
